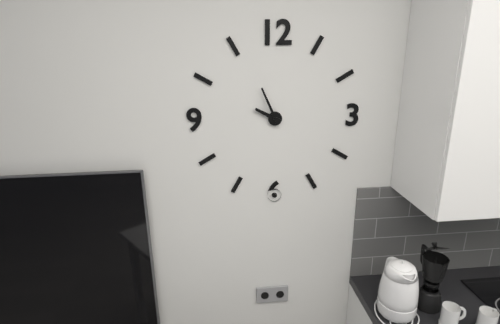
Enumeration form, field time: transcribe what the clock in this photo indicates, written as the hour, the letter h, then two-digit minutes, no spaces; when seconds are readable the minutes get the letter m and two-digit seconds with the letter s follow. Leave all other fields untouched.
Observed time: 9h56
